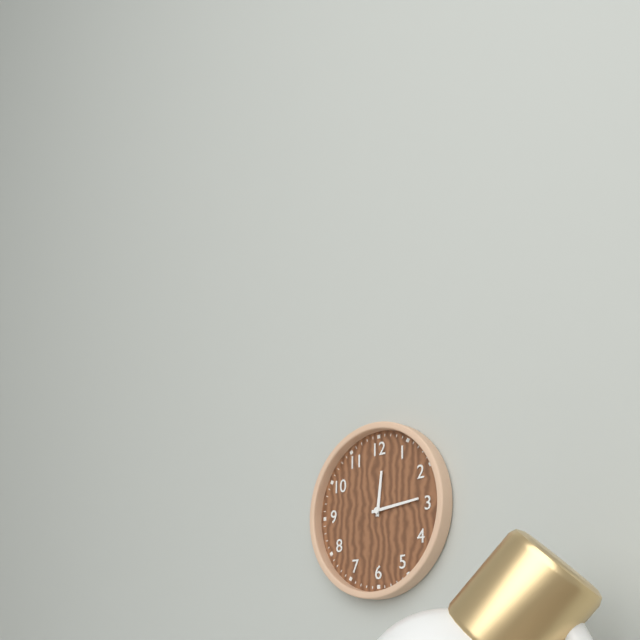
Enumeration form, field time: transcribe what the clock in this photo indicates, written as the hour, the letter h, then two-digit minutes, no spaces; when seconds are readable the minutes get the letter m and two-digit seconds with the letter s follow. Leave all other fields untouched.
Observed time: 12h14
